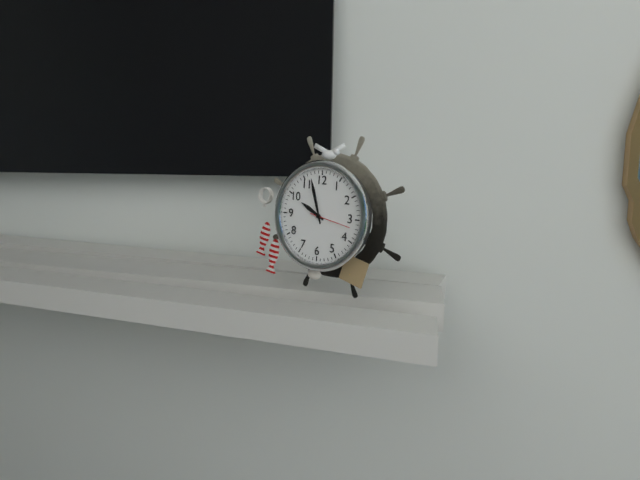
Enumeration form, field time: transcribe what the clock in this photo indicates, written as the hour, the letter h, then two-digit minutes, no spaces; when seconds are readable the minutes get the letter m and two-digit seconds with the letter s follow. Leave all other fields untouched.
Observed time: 9h57
